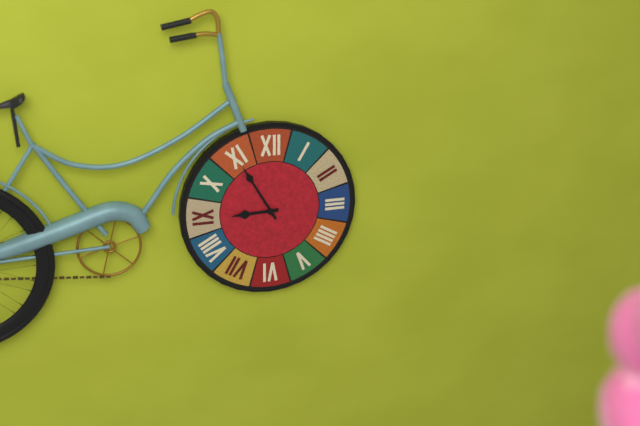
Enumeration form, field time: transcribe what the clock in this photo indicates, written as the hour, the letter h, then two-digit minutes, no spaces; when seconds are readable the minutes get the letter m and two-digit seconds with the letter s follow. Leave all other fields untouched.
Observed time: 8h55
